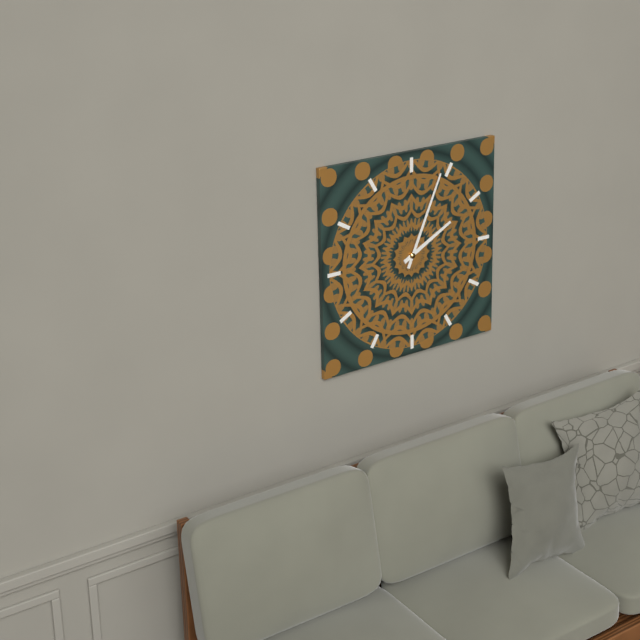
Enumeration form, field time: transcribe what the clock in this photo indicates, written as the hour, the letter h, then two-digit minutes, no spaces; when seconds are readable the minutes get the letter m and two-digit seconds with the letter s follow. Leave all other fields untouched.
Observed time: 2h04
